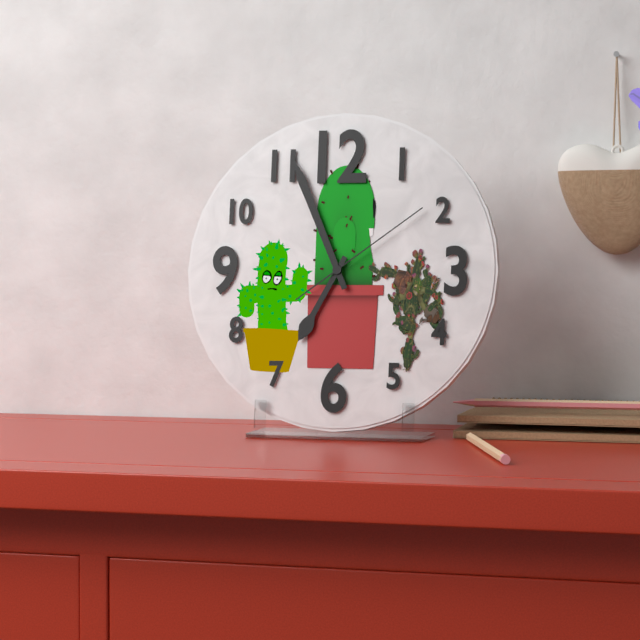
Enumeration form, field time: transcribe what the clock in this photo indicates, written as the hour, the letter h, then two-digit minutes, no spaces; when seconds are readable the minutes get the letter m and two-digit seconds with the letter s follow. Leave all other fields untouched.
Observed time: 6h56m09s
